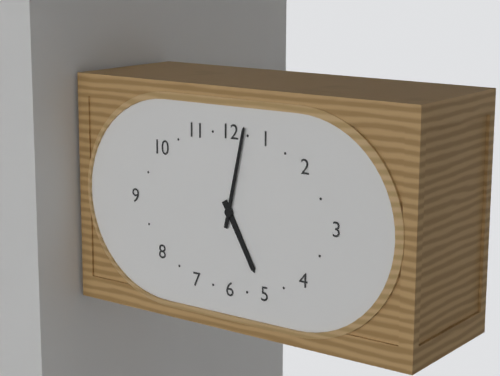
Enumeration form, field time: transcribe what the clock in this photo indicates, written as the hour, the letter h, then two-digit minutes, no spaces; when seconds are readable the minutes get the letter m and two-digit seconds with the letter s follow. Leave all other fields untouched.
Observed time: 5h02
